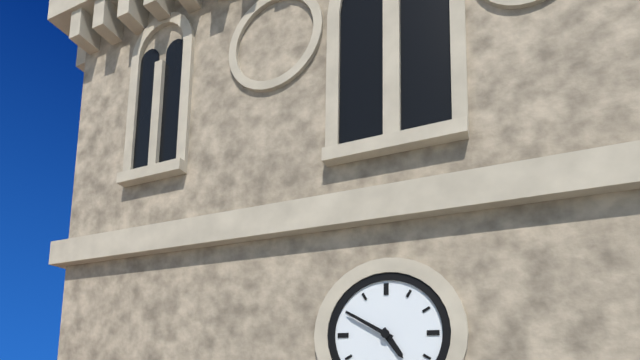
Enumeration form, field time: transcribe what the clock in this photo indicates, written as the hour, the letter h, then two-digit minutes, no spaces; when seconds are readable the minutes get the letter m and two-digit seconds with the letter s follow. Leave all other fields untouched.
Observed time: 4h50
